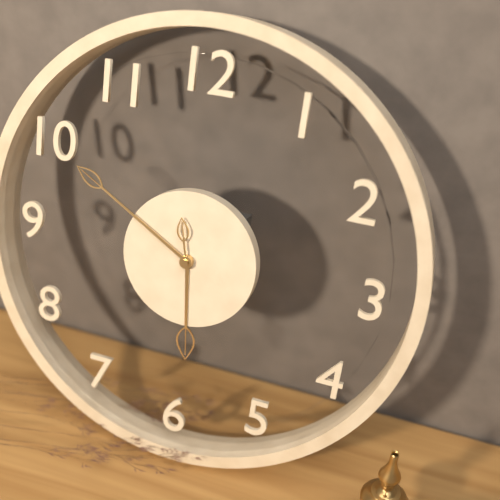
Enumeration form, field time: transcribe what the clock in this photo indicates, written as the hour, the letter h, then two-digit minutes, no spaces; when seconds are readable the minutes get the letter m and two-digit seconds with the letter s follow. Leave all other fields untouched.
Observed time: 5h50m58s
